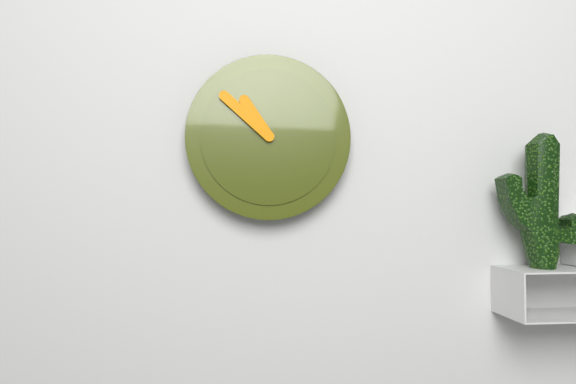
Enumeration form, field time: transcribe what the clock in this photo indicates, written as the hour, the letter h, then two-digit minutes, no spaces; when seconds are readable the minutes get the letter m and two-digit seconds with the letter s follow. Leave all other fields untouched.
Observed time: 10h52
